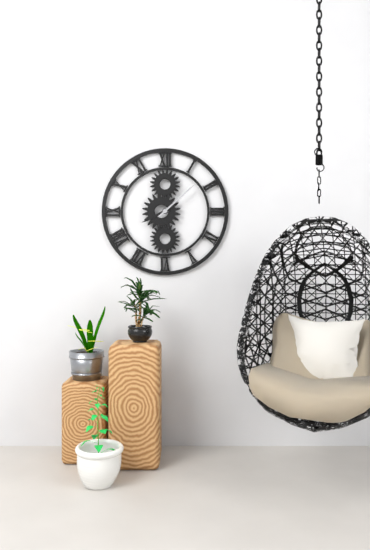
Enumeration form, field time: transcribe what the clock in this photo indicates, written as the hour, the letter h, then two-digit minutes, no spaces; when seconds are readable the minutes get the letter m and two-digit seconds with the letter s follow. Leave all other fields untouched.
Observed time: 8h08
